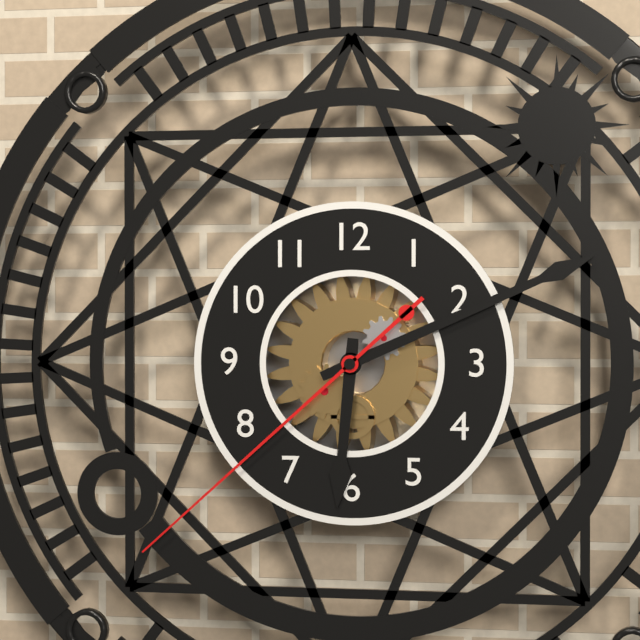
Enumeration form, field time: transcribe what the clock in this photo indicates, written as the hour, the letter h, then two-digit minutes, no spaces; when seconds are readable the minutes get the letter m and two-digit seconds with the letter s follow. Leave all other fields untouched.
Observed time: 6h11m38s
